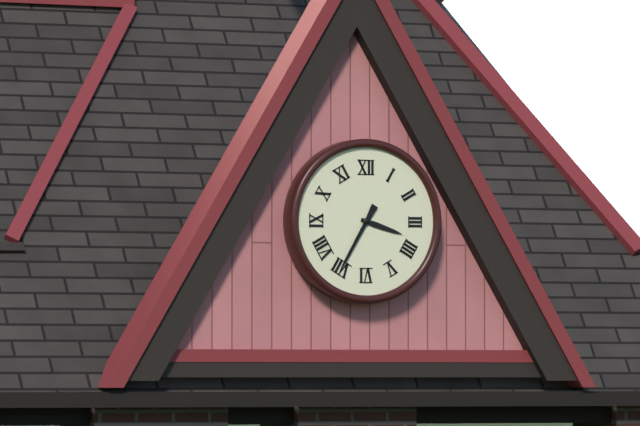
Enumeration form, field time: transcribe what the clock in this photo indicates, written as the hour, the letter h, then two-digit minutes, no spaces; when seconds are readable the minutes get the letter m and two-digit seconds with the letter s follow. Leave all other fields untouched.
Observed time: 3h35
